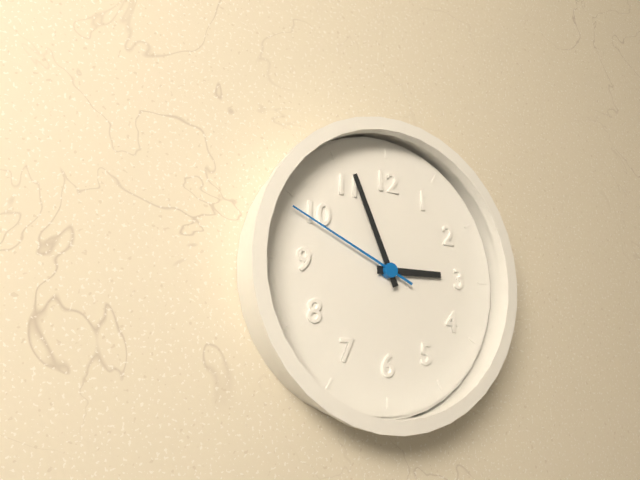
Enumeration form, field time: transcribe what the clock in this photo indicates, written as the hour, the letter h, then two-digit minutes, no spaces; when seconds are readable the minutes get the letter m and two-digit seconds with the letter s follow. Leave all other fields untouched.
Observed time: 2h56m49s
